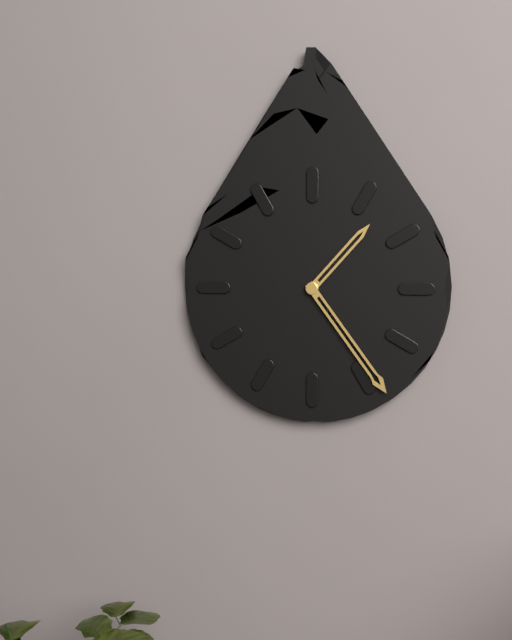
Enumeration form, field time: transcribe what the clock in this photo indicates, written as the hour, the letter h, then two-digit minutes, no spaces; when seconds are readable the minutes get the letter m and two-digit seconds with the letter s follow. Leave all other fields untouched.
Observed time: 1h24
